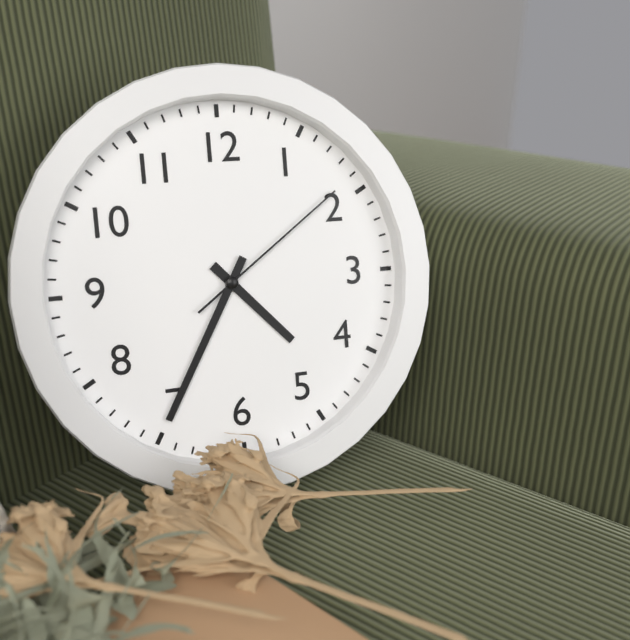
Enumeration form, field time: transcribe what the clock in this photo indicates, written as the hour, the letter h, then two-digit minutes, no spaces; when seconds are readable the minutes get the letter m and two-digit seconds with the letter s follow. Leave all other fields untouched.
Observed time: 4h35m09s
